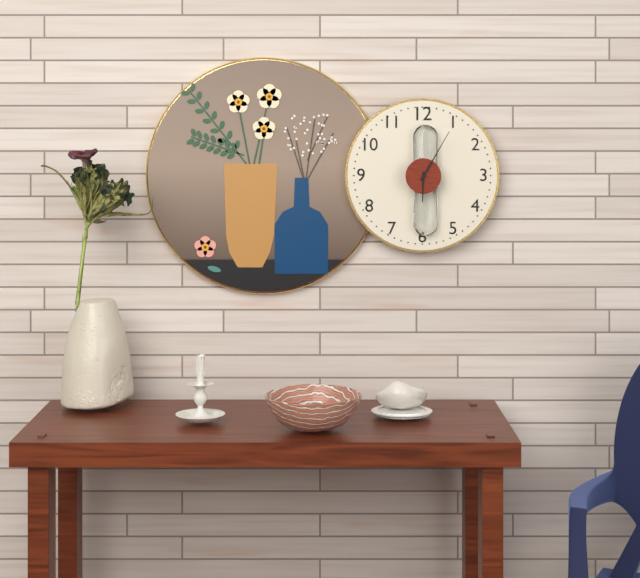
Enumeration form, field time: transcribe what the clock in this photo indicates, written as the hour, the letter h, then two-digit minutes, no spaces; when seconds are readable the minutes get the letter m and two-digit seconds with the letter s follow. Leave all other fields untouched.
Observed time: 6h05
